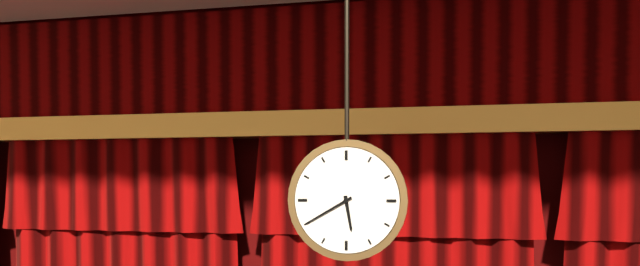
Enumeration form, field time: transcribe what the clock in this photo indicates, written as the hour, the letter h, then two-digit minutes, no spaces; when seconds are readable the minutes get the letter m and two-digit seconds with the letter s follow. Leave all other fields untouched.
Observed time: 5h40
